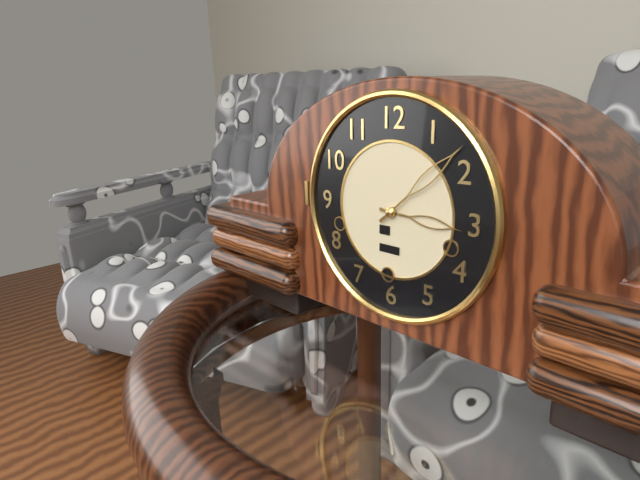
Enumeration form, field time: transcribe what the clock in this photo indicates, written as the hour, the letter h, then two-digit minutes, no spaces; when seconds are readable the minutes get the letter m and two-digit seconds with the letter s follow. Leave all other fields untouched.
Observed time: 3h08
